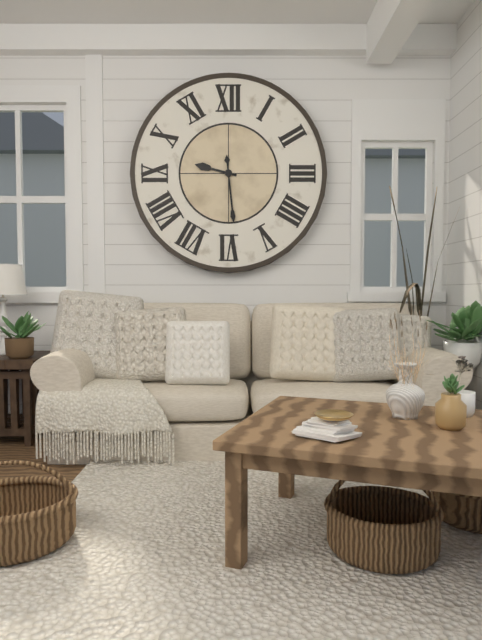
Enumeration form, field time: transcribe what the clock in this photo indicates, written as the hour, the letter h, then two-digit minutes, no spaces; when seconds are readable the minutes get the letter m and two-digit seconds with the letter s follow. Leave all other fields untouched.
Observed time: 9h29
